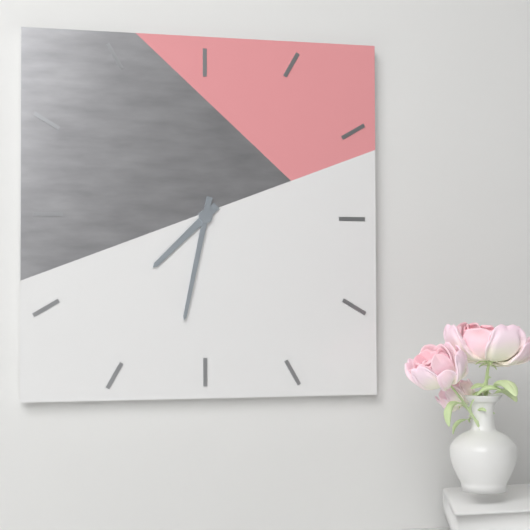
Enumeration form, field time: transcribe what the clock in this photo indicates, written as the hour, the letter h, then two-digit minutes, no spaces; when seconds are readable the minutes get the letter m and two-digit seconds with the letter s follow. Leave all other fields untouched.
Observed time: 7h32
